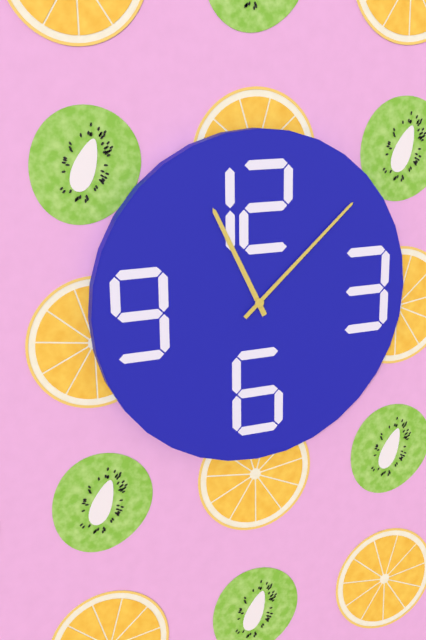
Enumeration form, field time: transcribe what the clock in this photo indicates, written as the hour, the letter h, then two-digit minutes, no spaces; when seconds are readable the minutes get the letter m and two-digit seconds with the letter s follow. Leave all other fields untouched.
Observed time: 11h08
